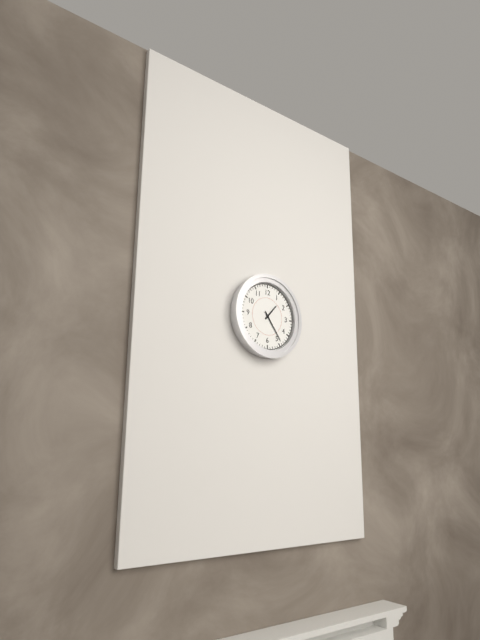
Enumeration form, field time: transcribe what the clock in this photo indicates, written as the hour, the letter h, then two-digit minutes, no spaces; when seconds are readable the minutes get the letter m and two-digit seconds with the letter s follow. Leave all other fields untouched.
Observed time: 1h24
